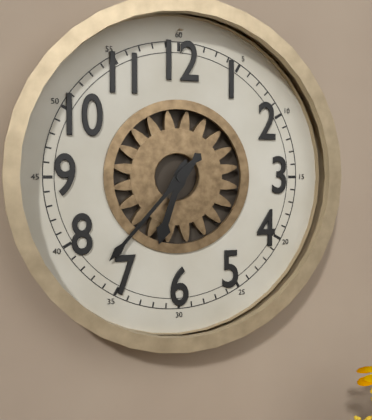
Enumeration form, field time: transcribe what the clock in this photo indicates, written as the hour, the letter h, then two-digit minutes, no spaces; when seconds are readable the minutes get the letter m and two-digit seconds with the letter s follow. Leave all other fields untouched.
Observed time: 6h37
